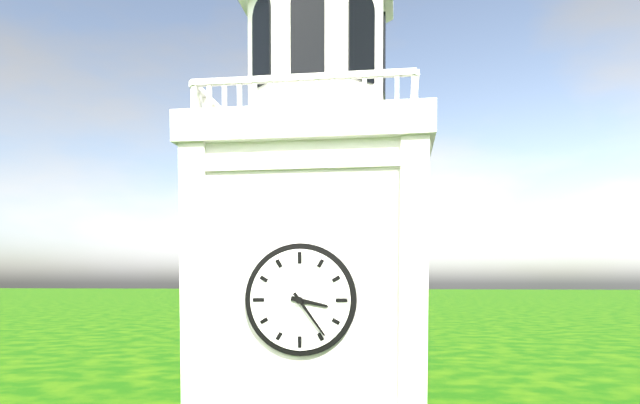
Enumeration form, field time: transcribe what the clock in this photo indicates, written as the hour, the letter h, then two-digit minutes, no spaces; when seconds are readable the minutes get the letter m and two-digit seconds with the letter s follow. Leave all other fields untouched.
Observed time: 3h24
